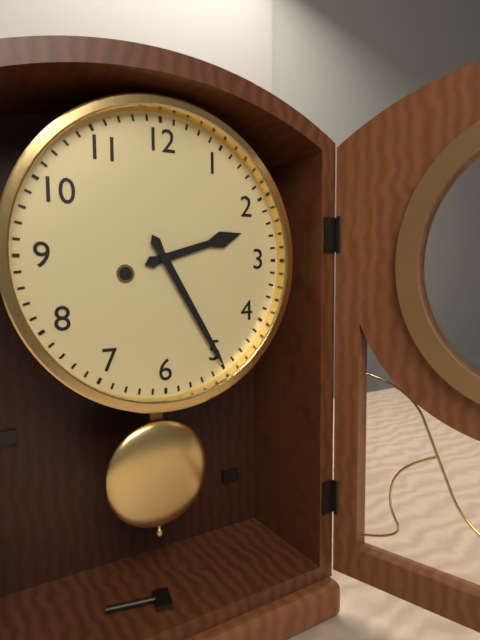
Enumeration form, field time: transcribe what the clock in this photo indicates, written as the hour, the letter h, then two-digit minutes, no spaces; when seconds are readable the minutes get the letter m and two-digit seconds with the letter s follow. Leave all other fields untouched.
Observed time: 2h25
